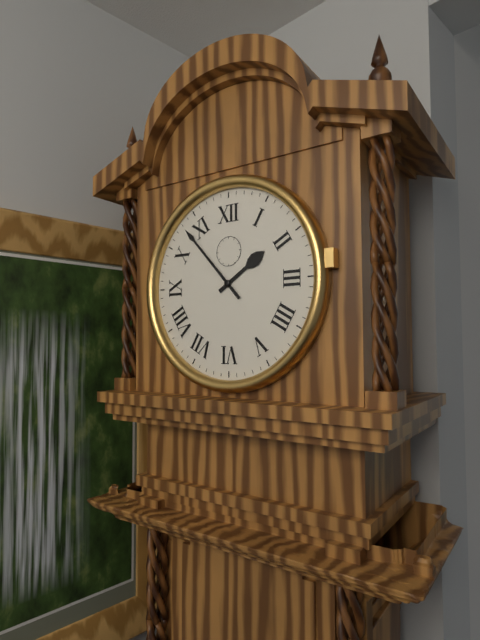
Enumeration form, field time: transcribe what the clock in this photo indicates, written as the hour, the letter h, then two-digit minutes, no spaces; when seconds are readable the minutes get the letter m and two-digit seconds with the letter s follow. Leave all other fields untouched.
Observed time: 1h53
